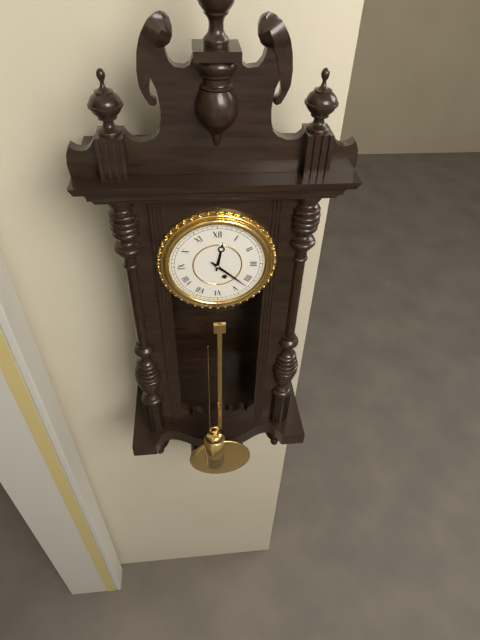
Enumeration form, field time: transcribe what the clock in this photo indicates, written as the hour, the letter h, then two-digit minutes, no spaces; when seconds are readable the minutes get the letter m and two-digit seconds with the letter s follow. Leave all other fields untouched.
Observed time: 12h22
